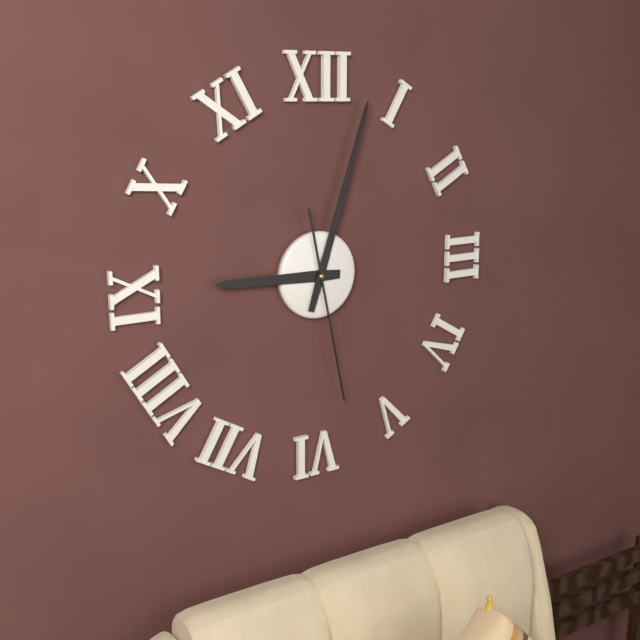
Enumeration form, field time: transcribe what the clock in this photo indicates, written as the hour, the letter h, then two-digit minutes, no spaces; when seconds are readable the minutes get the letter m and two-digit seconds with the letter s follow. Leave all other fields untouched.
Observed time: 9h03m28s
